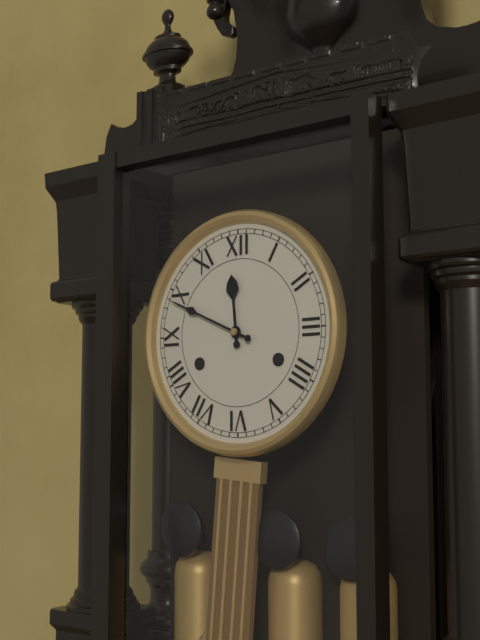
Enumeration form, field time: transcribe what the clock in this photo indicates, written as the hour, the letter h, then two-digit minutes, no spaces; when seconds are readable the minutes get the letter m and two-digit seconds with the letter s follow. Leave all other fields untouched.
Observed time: 11h49
